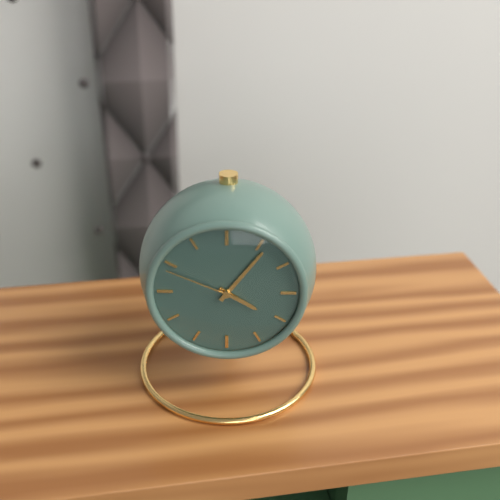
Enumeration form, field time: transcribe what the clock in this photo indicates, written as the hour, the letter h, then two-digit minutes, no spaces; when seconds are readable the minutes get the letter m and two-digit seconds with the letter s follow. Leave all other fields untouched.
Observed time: 4h06m49s
